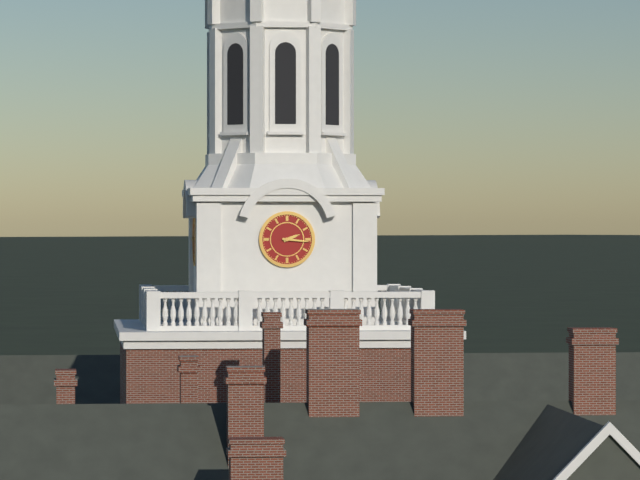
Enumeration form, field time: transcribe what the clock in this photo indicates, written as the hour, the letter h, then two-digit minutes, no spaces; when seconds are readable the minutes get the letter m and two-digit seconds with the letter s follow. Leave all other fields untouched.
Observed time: 2h16
